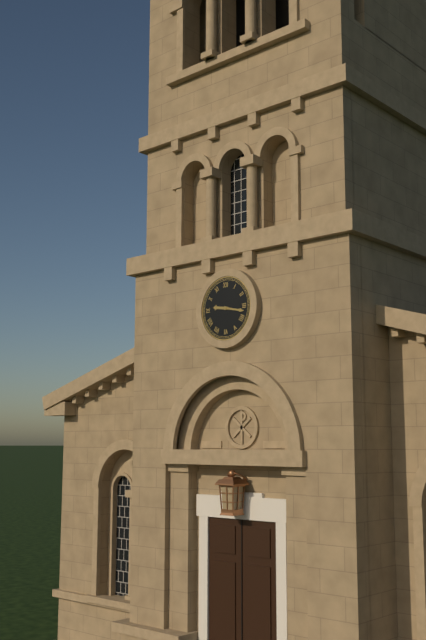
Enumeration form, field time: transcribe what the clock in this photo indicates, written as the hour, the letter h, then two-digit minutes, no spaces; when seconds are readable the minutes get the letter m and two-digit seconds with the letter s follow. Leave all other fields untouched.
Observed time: 9h17
